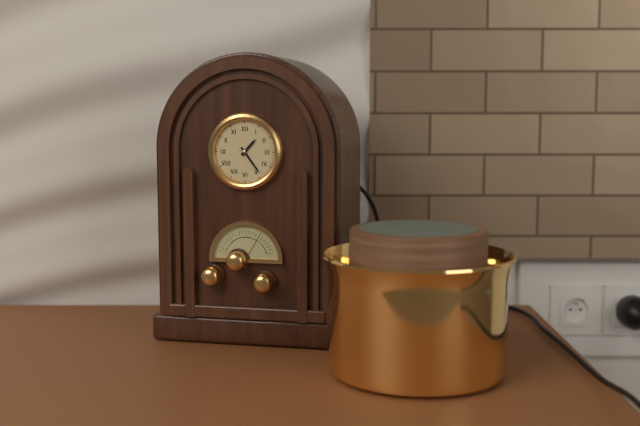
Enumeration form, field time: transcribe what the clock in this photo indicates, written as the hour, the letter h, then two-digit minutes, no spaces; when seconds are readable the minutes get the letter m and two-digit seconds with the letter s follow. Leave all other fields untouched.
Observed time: 1h24
